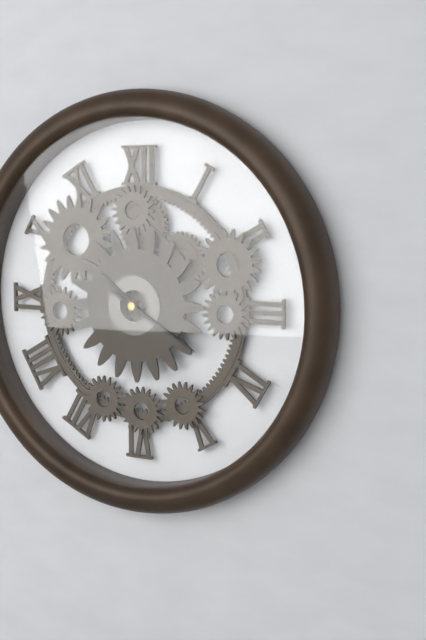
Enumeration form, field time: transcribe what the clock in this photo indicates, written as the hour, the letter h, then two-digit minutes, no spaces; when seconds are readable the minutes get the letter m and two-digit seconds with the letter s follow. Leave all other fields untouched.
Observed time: 10h20
